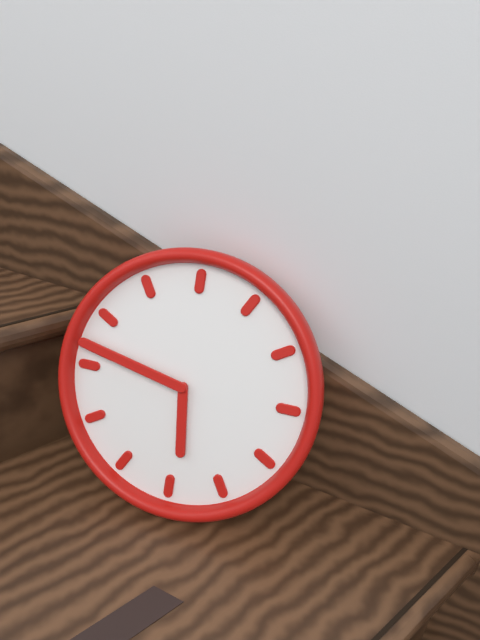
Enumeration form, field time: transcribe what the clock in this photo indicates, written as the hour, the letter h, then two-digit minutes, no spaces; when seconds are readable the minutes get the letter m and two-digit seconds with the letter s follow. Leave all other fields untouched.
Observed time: 5h47
